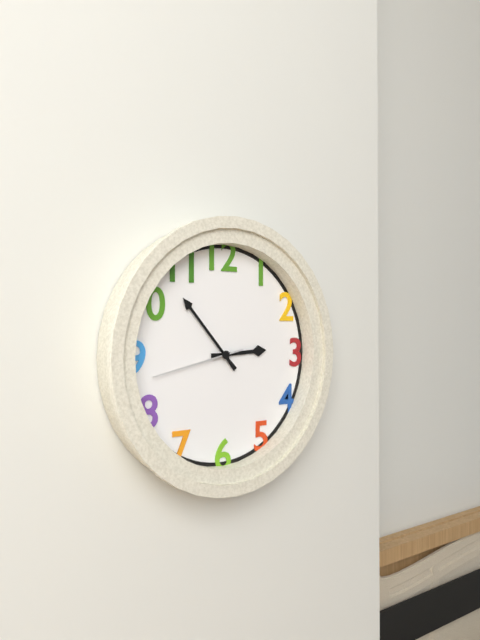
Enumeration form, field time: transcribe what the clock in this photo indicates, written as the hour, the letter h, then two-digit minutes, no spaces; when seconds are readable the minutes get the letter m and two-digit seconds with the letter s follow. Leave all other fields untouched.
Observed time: 2h53m43s
